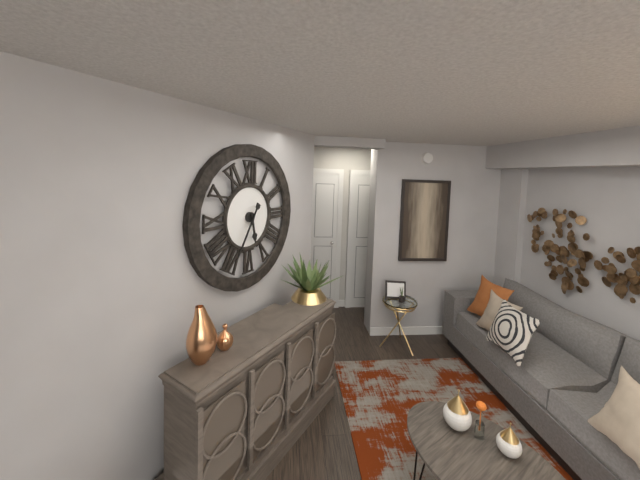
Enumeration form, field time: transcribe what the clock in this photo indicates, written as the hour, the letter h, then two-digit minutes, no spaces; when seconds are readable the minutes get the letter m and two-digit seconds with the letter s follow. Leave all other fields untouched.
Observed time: 5h35
